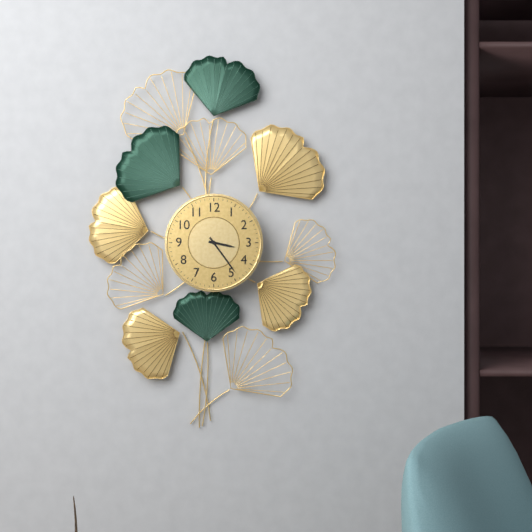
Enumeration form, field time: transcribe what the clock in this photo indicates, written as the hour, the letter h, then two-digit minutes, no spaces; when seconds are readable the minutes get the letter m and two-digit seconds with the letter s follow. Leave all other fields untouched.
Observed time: 3h24
